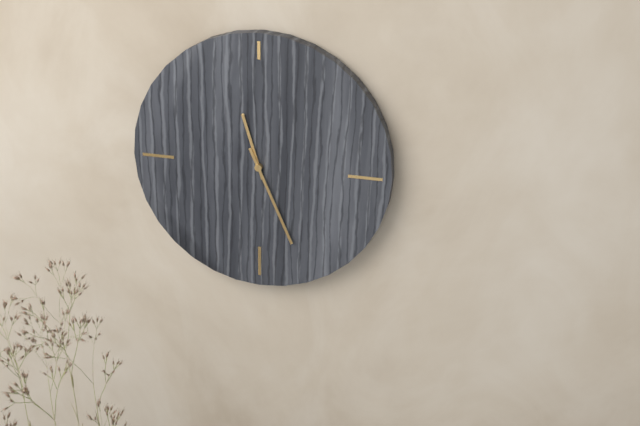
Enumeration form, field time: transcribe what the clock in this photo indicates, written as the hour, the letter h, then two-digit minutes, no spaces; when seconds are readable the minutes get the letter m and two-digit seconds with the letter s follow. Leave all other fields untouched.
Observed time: 11h26
